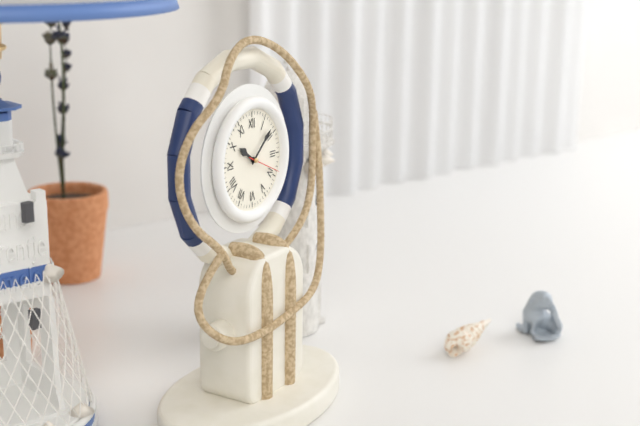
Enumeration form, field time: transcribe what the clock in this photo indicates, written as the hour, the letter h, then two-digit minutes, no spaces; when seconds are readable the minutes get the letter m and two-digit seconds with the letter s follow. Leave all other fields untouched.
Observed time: 10h08
